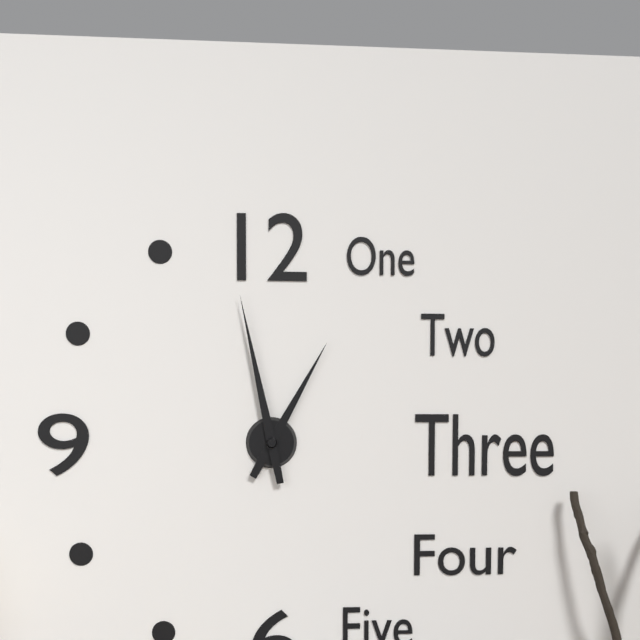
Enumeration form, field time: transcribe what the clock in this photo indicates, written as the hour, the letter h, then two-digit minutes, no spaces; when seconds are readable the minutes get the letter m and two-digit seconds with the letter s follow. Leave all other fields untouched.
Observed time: 12h58
